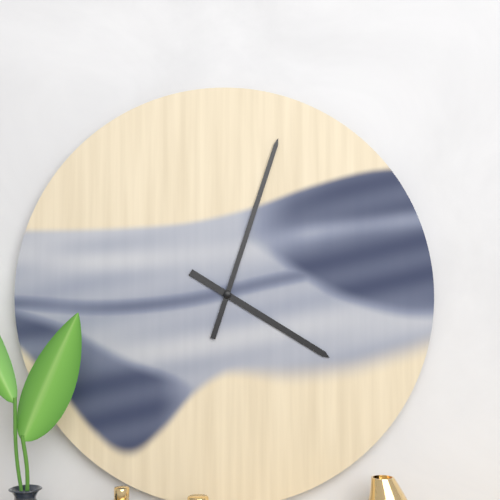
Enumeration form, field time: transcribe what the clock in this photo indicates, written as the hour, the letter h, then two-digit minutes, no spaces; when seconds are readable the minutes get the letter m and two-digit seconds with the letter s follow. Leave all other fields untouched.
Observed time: 4h03
